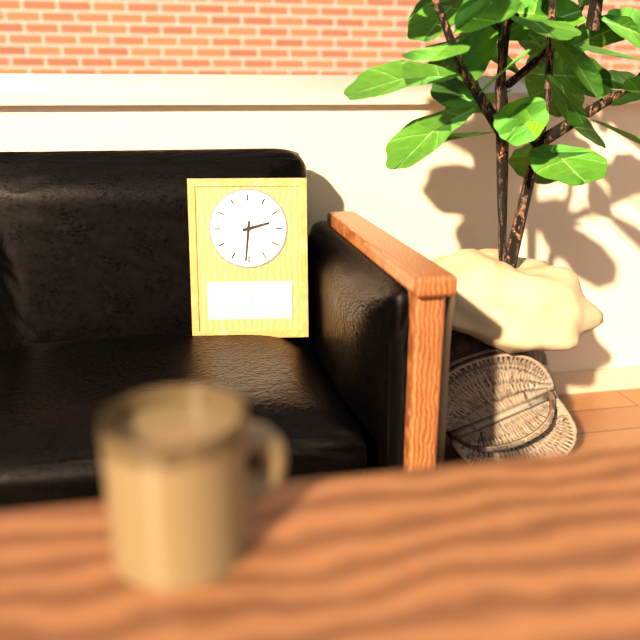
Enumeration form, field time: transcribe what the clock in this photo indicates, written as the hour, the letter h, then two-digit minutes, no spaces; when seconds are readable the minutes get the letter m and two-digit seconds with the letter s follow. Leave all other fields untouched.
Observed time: 2h31
